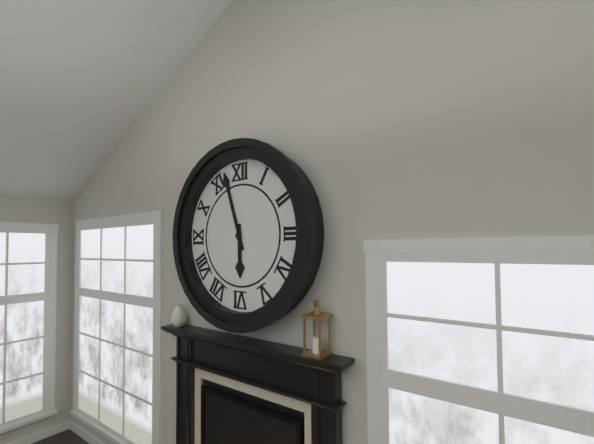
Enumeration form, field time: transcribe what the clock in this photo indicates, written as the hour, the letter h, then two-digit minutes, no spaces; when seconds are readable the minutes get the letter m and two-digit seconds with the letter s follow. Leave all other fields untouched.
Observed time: 5h57
